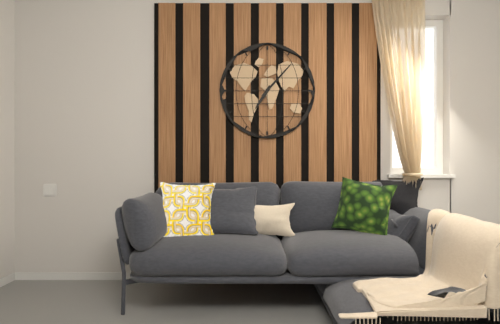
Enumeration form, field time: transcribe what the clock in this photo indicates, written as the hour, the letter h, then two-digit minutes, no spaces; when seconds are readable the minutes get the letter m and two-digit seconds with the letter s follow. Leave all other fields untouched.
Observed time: 7h07
